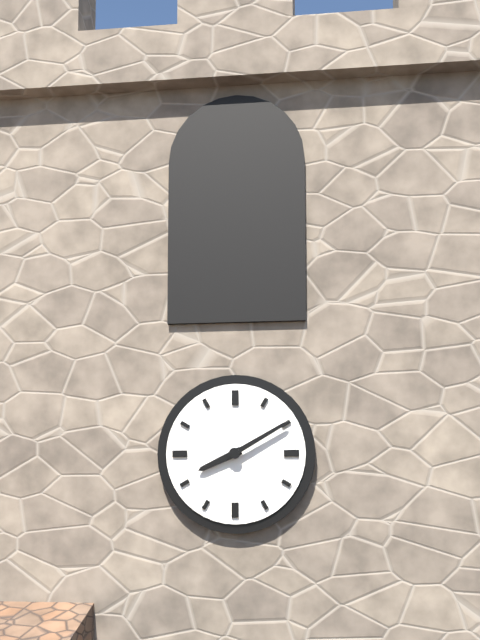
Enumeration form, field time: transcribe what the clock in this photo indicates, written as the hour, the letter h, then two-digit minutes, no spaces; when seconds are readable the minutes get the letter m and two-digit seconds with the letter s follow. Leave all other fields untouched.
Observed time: 8h10
